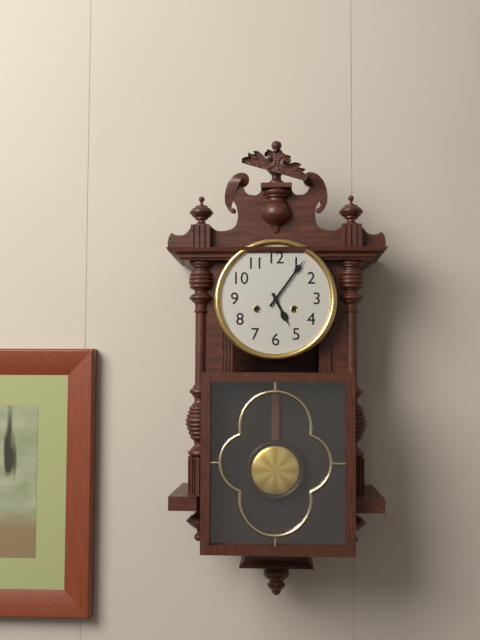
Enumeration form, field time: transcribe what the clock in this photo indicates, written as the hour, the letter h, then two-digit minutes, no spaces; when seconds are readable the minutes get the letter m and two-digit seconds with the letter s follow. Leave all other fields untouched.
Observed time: 5h06
